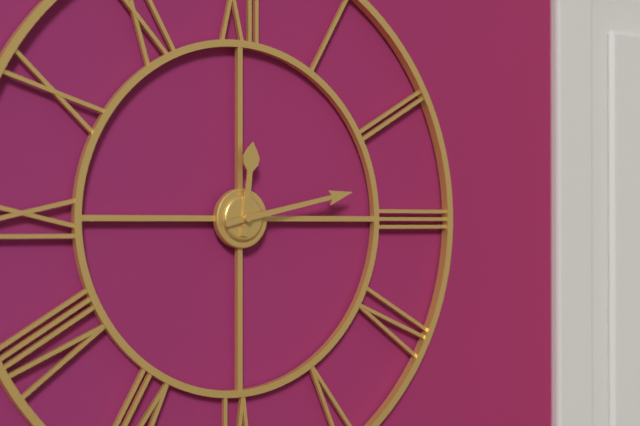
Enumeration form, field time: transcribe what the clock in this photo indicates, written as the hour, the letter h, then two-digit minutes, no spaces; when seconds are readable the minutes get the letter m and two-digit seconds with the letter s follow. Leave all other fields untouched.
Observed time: 12h13
